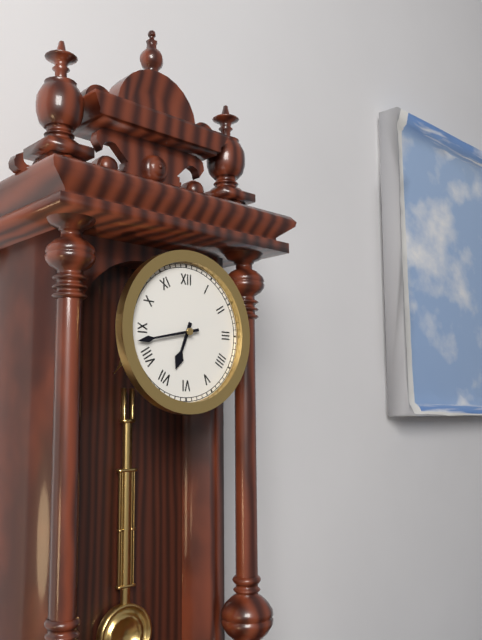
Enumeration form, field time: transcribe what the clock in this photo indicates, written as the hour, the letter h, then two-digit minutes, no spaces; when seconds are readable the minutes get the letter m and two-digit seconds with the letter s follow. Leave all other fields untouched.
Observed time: 6h43
